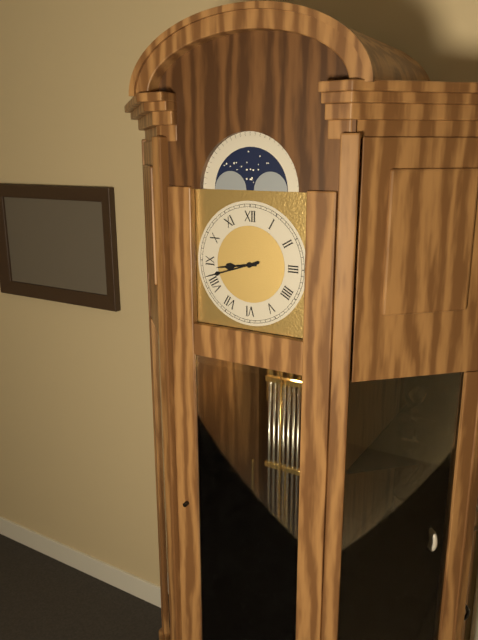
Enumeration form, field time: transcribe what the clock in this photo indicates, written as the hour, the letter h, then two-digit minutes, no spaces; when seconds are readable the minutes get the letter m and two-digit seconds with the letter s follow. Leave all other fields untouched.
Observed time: 8h42
